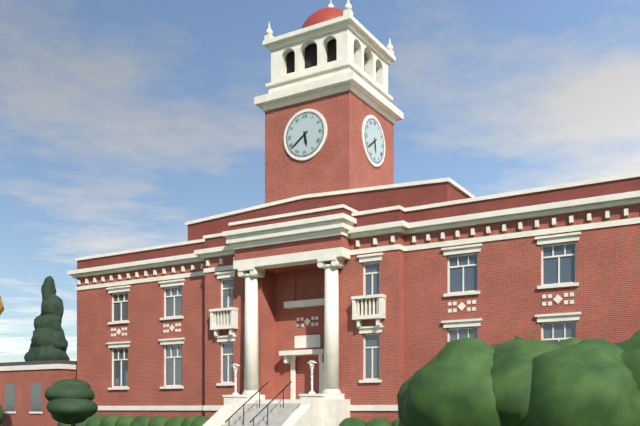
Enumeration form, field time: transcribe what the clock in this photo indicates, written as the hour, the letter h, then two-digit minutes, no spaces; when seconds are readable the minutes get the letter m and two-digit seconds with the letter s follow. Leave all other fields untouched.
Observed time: 5h39
